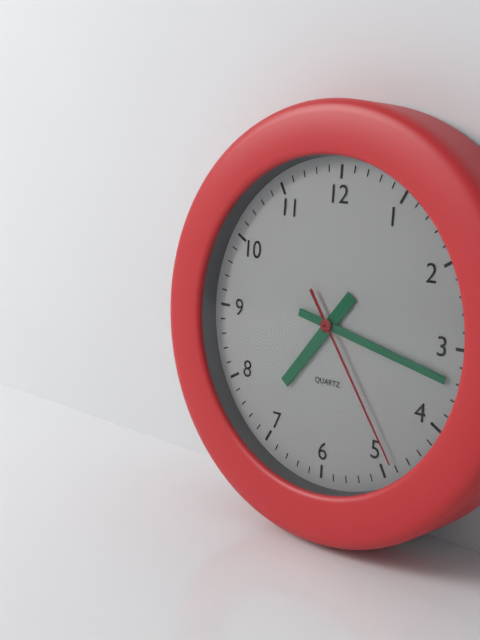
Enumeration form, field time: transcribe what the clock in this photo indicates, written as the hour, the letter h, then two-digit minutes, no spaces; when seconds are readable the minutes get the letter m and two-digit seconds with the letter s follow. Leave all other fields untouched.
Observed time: 7h17m24s
